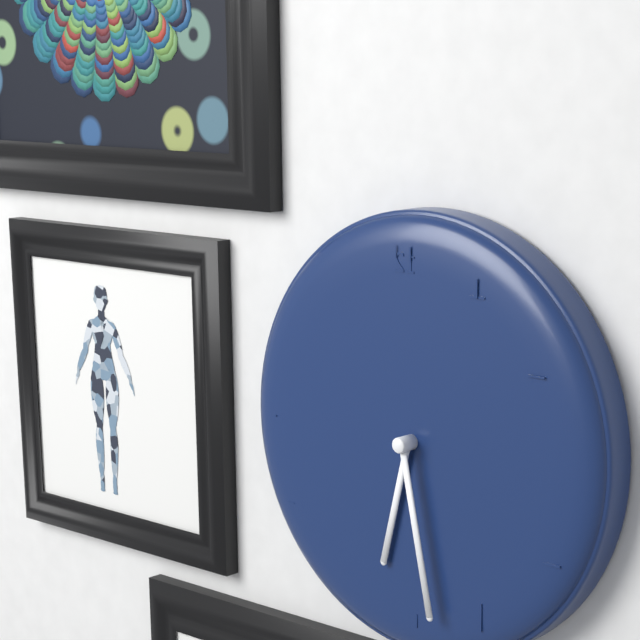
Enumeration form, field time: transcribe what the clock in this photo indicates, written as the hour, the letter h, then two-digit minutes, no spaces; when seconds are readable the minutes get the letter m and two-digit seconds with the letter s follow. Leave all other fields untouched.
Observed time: 6h28
